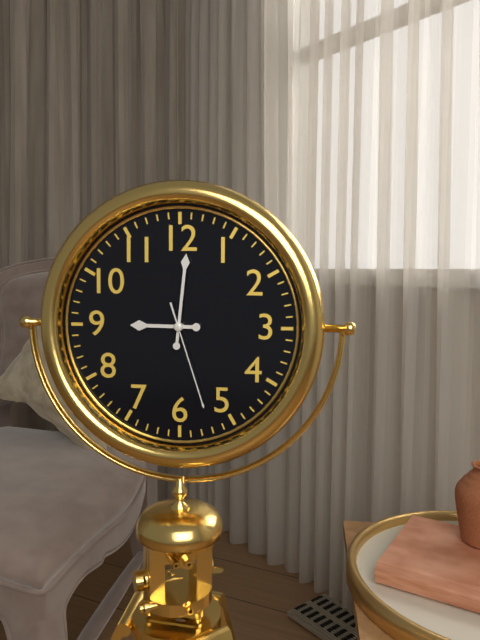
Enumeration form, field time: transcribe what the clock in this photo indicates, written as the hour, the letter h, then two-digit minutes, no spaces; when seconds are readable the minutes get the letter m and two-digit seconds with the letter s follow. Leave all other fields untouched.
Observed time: 9h01m27s
